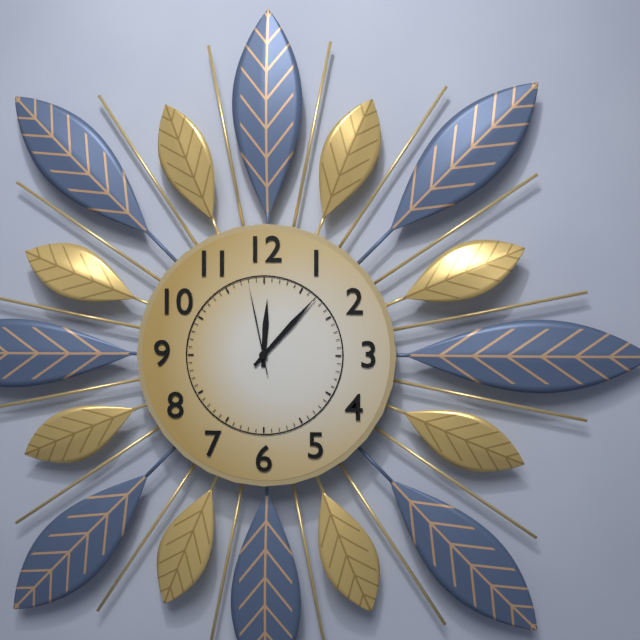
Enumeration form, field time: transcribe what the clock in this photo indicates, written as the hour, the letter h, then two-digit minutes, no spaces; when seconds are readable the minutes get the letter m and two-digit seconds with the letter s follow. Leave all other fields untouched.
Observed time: 12h07m58s
